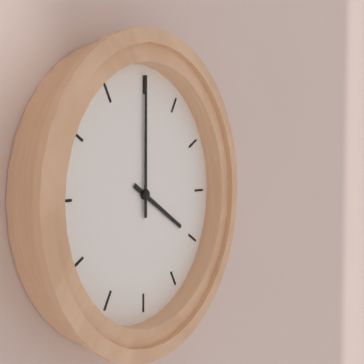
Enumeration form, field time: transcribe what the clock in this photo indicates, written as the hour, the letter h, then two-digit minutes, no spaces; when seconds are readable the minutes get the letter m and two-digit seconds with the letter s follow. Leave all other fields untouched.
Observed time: 4h00
